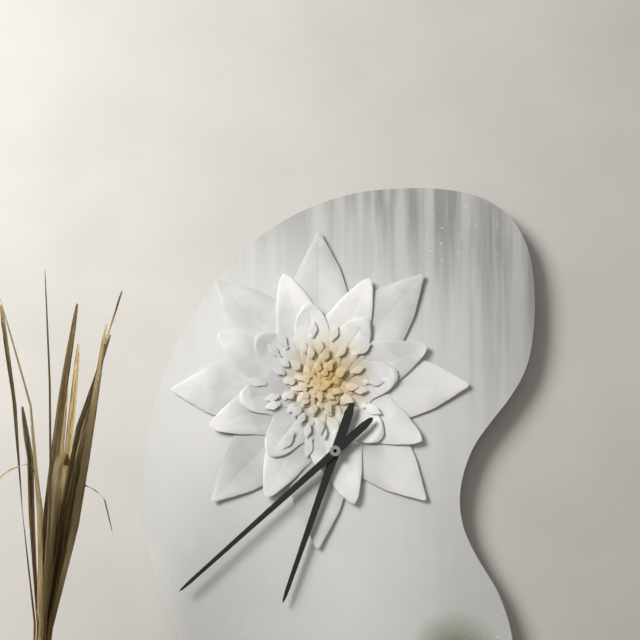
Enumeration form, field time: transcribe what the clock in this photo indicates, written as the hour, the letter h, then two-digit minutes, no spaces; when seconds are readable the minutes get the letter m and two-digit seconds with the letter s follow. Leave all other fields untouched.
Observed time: 6h38
